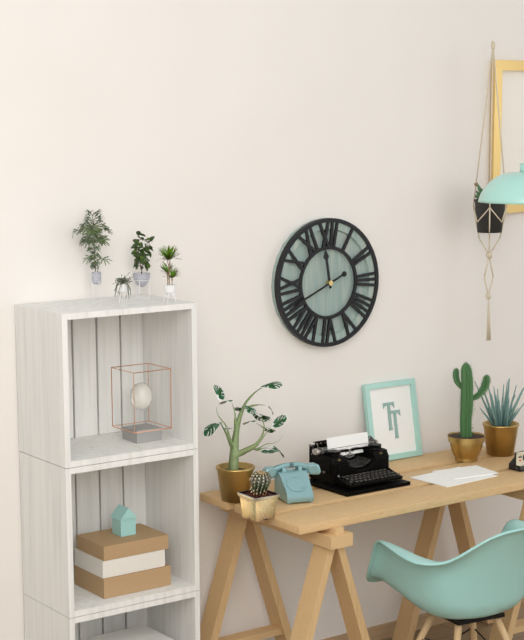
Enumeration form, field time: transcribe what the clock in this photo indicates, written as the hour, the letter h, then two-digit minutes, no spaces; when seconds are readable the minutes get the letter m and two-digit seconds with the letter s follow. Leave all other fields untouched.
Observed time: 11h41
